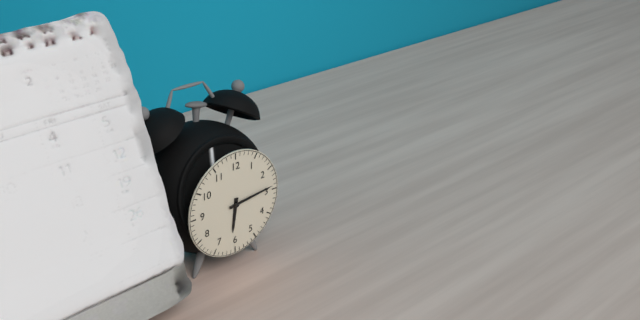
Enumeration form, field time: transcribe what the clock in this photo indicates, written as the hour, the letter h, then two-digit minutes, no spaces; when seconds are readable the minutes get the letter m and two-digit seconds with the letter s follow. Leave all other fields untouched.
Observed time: 6h14
